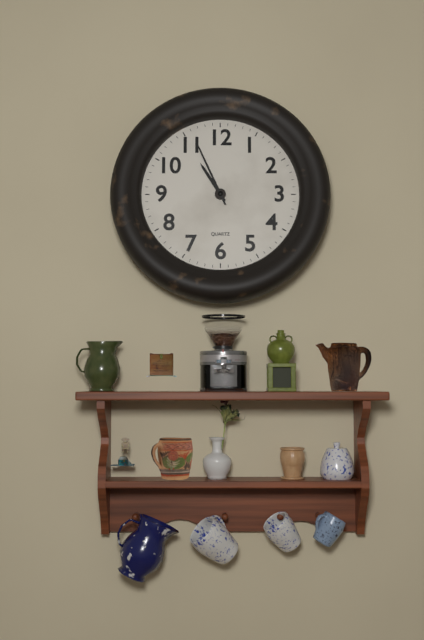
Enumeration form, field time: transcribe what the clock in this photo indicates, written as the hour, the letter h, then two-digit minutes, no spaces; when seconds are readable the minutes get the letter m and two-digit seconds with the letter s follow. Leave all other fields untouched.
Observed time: 10h56
